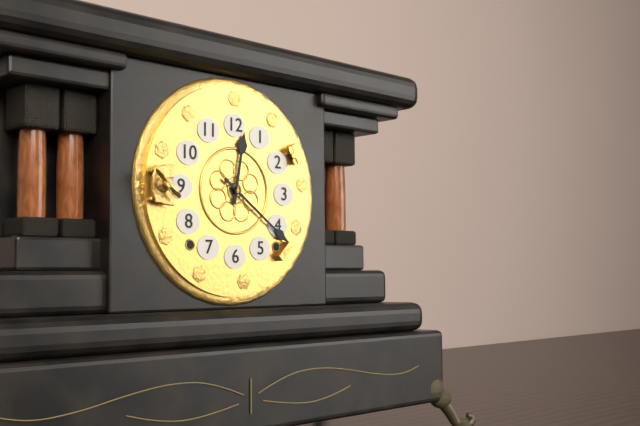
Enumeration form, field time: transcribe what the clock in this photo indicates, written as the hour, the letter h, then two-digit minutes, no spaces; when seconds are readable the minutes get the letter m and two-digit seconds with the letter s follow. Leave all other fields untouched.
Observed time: 12h21
